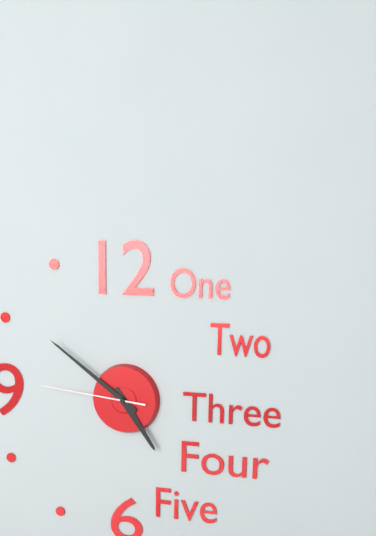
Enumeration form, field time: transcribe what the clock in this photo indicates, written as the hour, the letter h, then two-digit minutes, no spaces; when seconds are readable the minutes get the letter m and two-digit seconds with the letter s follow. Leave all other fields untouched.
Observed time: 4h51m46s
